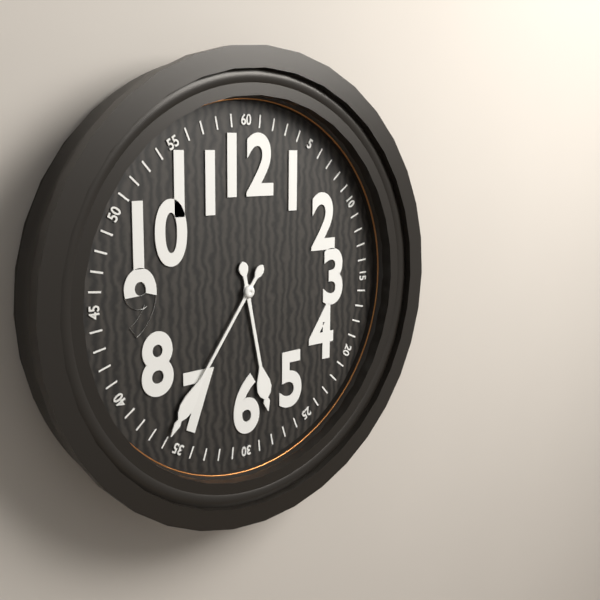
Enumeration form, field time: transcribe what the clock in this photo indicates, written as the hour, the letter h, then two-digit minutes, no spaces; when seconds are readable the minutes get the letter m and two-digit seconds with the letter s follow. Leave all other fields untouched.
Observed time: 5h36
